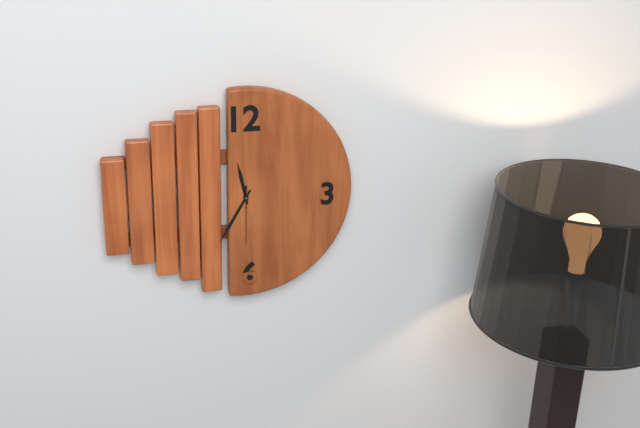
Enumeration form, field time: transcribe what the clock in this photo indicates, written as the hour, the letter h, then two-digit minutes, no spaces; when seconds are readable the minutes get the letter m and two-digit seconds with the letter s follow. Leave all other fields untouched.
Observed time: 11h35m30s
